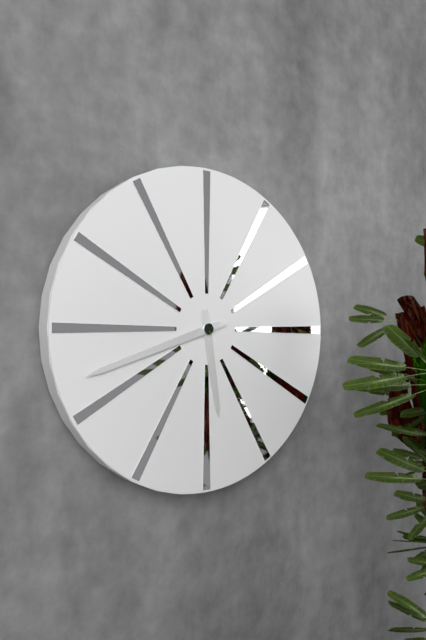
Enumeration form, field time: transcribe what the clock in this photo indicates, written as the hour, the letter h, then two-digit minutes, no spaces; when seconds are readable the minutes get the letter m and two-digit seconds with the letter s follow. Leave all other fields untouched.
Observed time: 5h42
